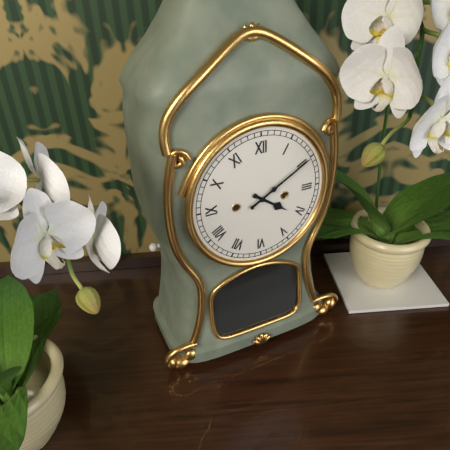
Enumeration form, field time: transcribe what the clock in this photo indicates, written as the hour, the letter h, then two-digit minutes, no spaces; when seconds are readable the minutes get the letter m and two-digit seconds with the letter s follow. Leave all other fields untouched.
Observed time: 4h10
